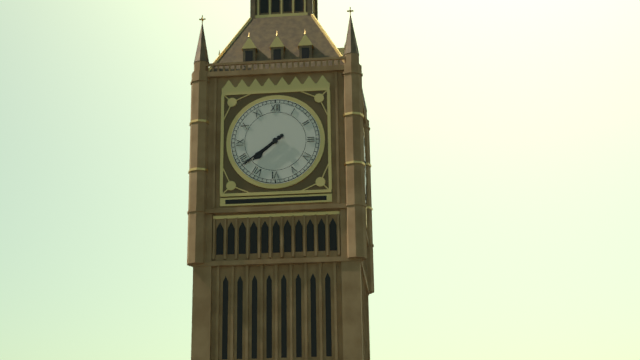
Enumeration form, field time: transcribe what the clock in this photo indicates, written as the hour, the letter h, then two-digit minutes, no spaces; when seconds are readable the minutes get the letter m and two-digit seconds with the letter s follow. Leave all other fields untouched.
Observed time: 7h39
